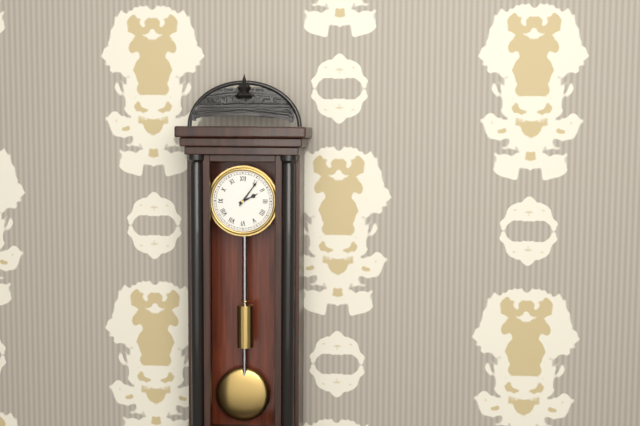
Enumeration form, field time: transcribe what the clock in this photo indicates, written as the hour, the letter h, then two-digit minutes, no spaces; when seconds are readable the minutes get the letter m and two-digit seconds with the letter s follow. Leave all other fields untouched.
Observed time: 2h06
